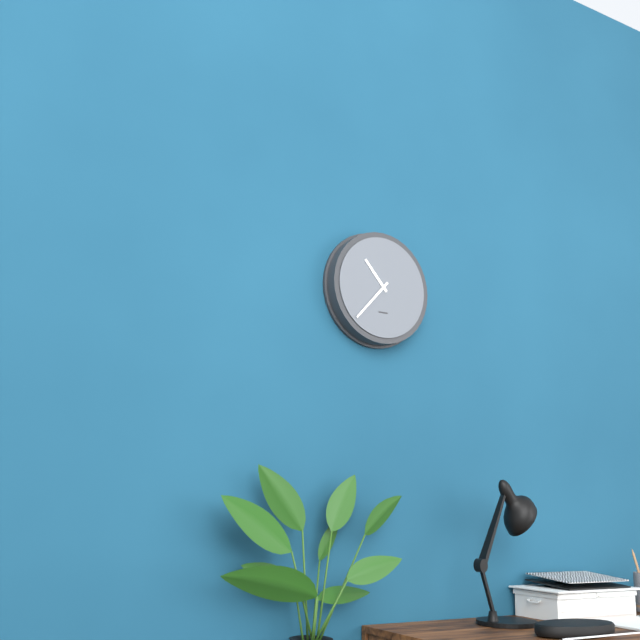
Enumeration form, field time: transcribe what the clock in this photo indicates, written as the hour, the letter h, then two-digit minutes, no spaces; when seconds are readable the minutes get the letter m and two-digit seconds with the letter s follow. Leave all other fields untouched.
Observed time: 10h37
